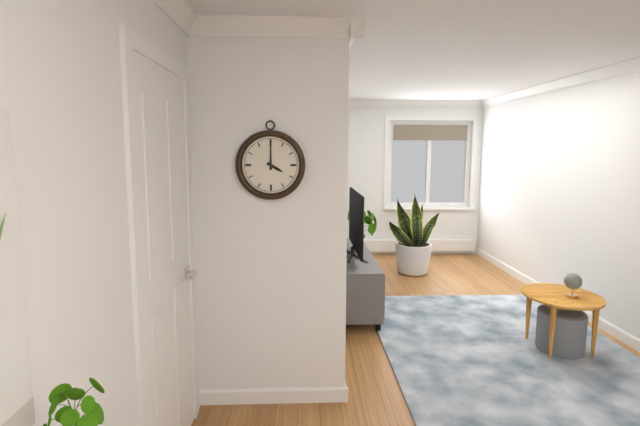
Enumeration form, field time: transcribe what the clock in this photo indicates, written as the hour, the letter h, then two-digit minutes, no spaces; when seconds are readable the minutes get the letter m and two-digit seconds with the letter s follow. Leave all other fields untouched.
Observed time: 4h00
